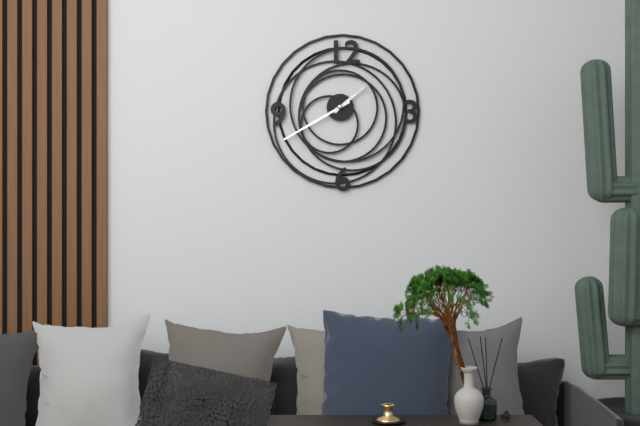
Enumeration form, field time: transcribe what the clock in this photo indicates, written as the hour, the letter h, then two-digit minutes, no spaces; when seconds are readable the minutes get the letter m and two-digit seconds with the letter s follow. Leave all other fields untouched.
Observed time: 1h40
